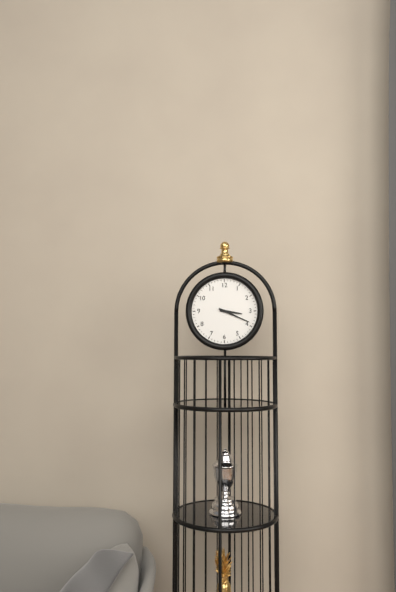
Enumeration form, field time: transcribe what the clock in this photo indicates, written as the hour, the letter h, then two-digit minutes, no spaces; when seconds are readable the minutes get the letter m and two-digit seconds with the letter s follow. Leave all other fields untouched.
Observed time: 3h19
